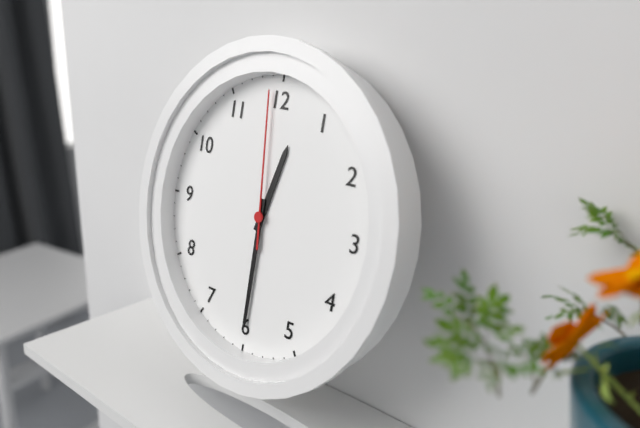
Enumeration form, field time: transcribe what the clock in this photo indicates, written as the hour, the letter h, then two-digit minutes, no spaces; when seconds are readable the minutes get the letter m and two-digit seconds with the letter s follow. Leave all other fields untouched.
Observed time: 12h30m59s
